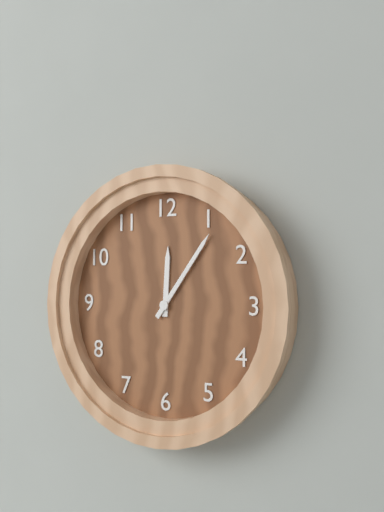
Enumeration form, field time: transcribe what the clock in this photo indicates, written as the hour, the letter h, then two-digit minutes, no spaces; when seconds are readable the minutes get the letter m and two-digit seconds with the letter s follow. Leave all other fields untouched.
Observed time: 12h06
